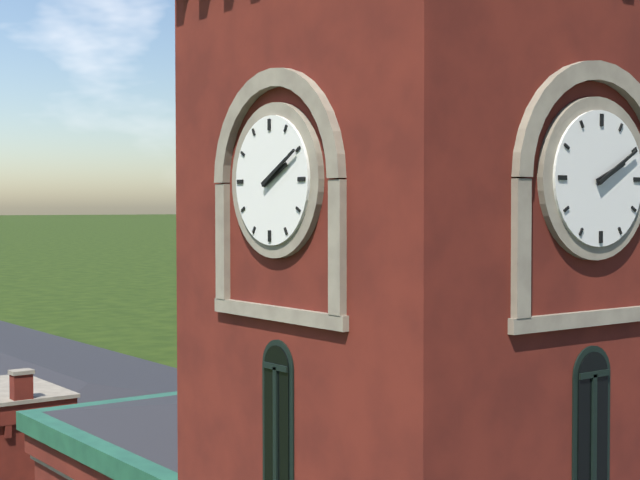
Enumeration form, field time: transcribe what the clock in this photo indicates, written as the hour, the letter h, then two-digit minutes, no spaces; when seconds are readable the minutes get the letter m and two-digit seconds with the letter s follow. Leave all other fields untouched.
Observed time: 2h10
